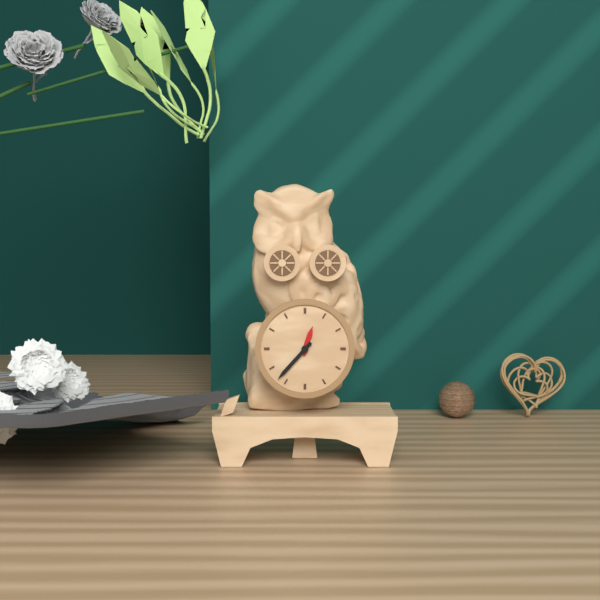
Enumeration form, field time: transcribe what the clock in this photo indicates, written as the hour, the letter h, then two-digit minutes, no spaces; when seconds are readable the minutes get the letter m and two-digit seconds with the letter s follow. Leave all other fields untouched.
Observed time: 12h37
